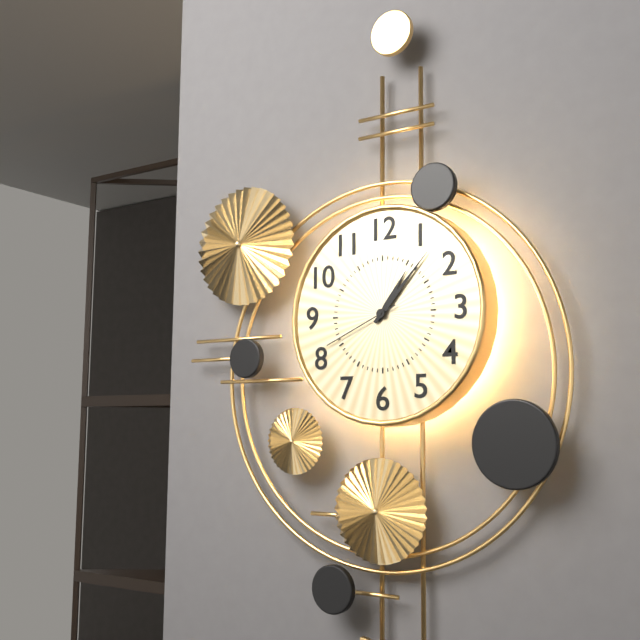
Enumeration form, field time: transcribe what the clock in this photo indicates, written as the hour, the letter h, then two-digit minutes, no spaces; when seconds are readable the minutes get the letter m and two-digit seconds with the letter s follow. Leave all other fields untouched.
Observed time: 1h07m41s
